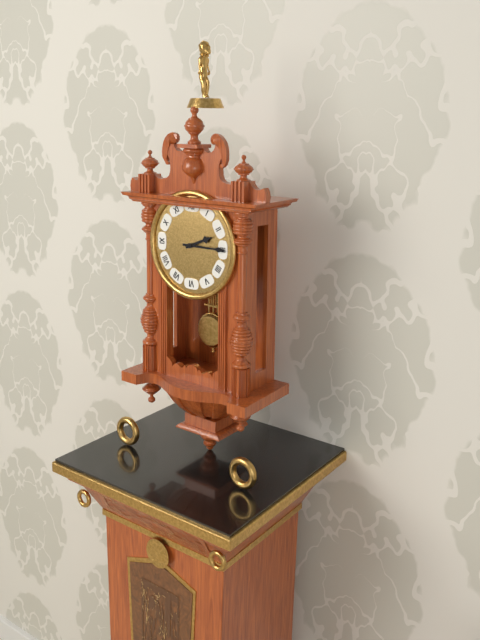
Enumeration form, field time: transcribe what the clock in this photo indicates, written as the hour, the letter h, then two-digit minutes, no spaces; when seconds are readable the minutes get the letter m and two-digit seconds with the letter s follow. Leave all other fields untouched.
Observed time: 2h15
